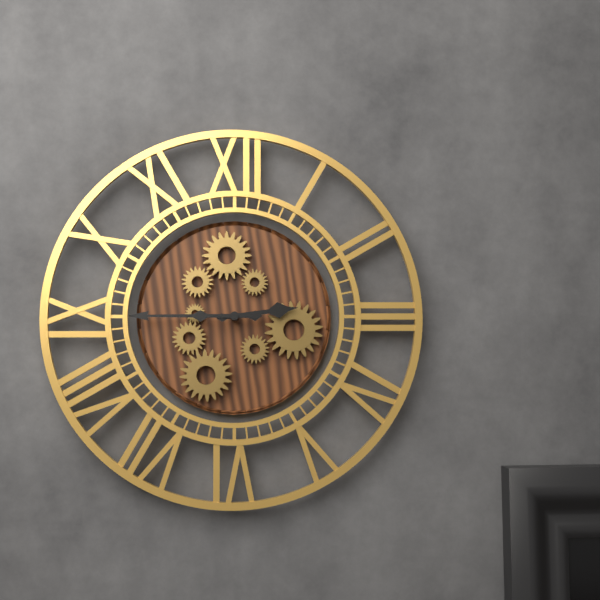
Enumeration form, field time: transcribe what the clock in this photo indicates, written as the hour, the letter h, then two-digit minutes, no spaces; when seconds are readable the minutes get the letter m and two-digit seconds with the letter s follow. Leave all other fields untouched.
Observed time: 2h45
